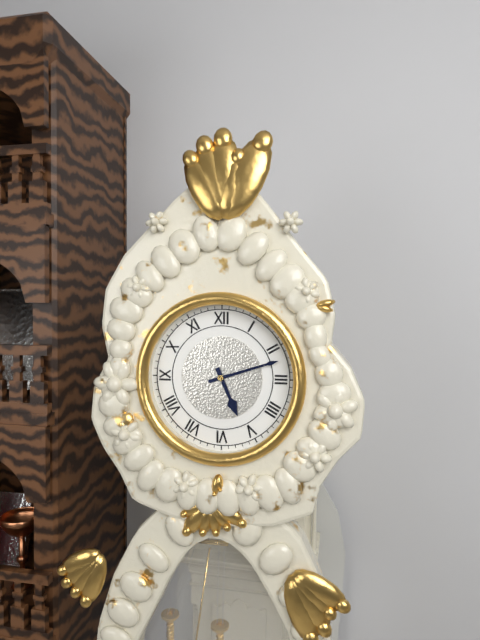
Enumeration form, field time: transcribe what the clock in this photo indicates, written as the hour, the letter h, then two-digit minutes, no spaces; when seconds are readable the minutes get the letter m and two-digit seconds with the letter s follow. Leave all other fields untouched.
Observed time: 5h12
